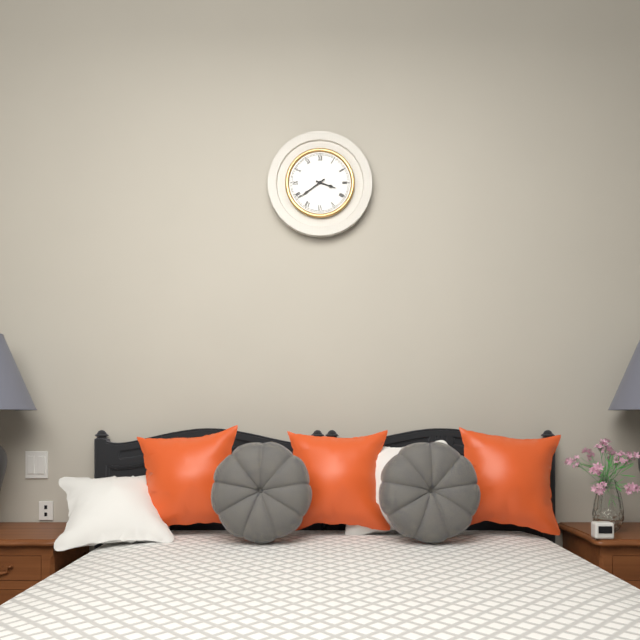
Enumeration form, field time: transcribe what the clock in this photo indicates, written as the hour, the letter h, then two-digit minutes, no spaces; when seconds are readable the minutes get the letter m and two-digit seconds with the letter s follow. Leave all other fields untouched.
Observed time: 3h39
